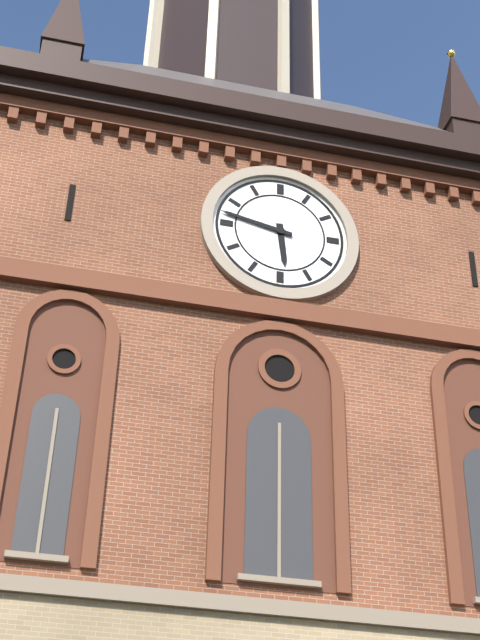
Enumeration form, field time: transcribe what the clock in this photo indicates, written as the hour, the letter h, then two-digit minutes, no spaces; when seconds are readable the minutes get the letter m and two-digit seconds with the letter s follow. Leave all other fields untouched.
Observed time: 5h47
